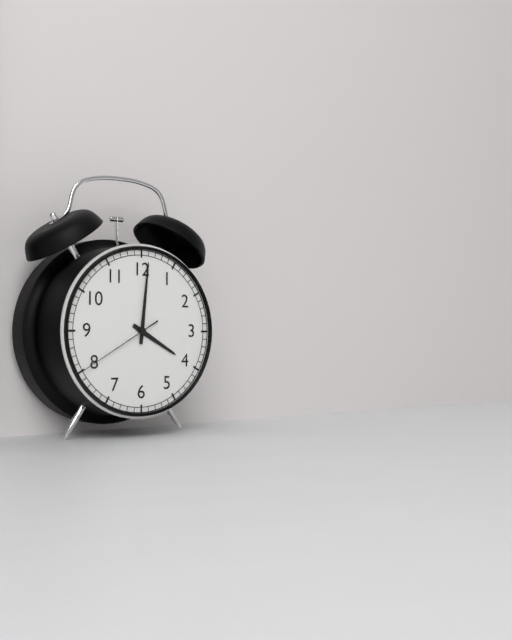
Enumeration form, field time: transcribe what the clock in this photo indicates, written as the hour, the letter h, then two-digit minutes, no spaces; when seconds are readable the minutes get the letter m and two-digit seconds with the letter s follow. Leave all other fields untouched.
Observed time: 4h01m40s
